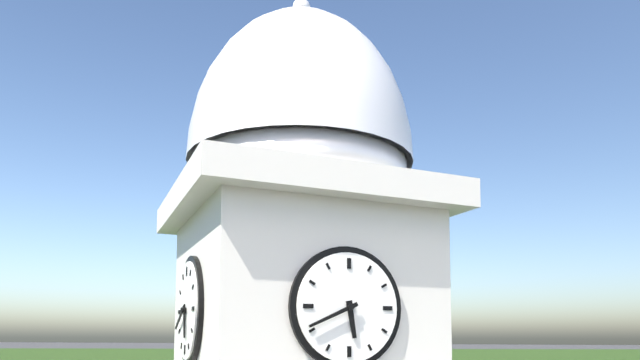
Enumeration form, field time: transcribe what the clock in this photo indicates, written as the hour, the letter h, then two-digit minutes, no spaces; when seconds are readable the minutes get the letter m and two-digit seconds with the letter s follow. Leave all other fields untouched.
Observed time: 5h41
